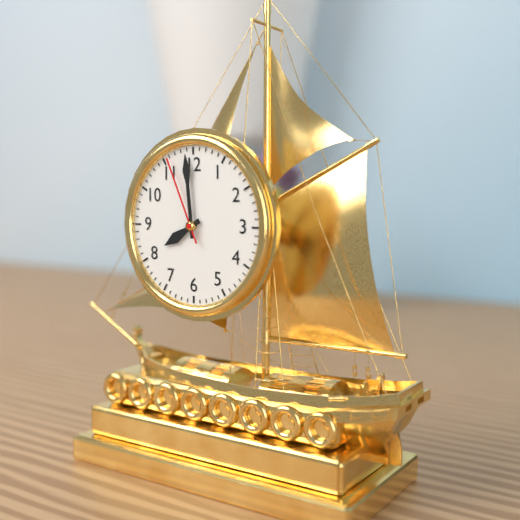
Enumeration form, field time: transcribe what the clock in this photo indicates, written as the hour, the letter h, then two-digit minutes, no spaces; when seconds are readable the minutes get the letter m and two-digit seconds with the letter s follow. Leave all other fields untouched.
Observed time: 7h59m56s
